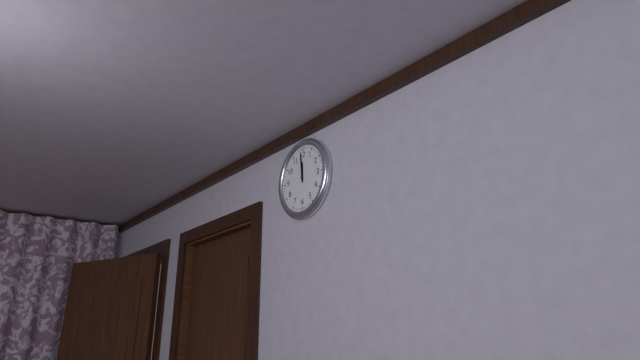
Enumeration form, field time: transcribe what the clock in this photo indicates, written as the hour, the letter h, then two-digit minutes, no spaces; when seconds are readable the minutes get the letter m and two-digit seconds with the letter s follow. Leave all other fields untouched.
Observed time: 11h59
